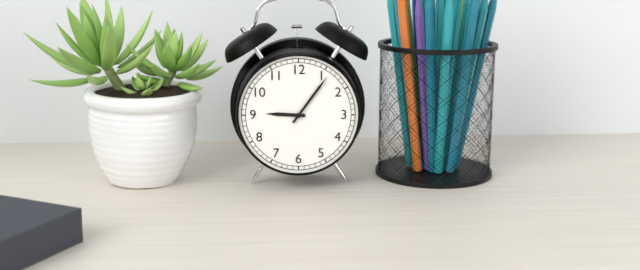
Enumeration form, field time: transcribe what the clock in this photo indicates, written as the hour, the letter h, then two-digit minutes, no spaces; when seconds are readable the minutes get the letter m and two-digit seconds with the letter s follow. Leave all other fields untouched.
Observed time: 9h06
